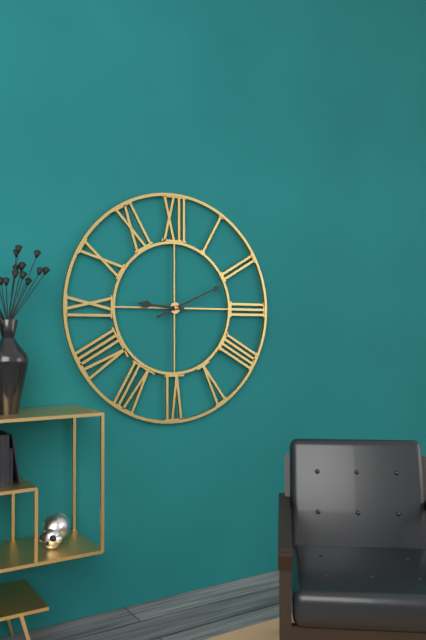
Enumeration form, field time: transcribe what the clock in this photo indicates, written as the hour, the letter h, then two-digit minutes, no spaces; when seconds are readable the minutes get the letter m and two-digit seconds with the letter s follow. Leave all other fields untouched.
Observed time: 9h11
